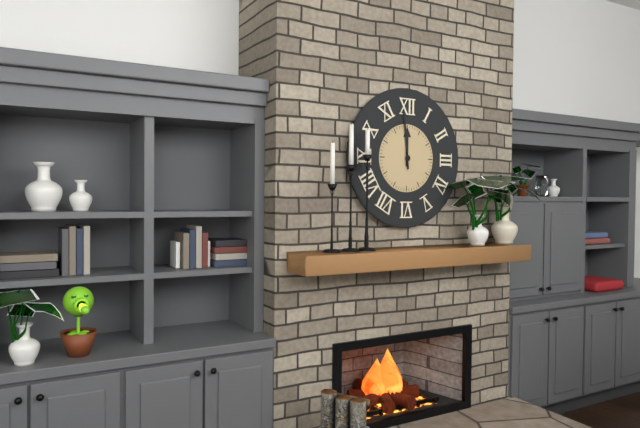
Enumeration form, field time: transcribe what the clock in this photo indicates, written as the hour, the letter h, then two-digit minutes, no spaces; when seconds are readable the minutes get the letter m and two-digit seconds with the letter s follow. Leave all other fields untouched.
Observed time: 11h59
